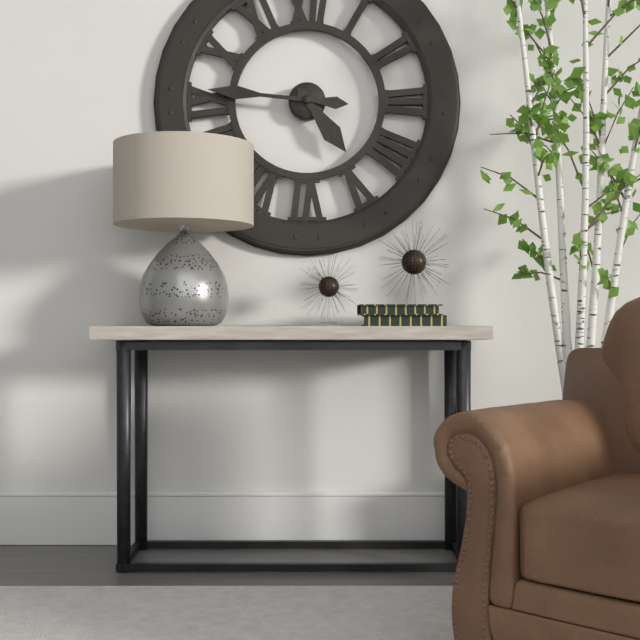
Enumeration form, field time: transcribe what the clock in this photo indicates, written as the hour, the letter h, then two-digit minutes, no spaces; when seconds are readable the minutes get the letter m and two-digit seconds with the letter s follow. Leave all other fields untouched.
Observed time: 4h46
